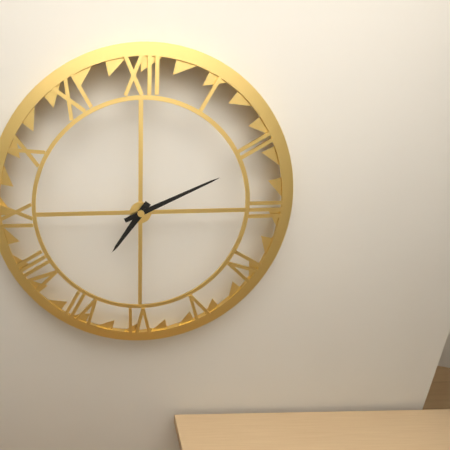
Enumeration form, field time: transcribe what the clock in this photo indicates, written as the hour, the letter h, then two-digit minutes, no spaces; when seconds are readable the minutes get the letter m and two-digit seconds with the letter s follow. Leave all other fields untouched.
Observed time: 7h11
